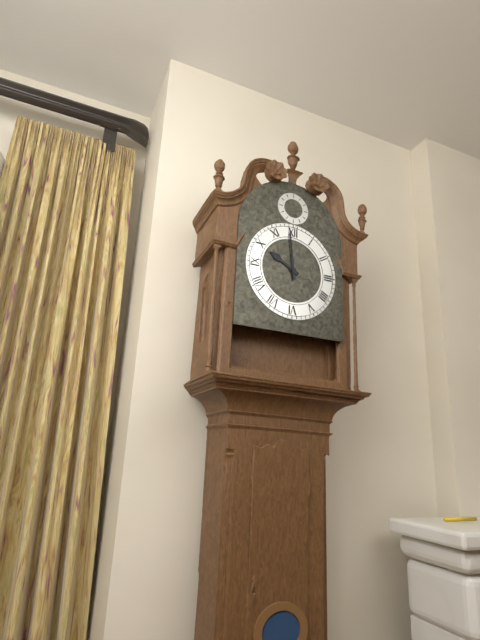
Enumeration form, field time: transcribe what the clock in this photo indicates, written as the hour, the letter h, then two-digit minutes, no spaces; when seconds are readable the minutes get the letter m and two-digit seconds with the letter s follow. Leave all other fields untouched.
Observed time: 9h59
